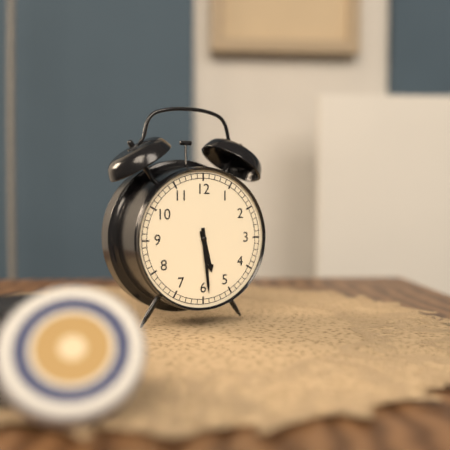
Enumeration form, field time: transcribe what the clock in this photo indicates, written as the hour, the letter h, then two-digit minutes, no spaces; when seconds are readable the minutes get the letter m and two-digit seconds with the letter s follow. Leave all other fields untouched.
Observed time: 5h29
